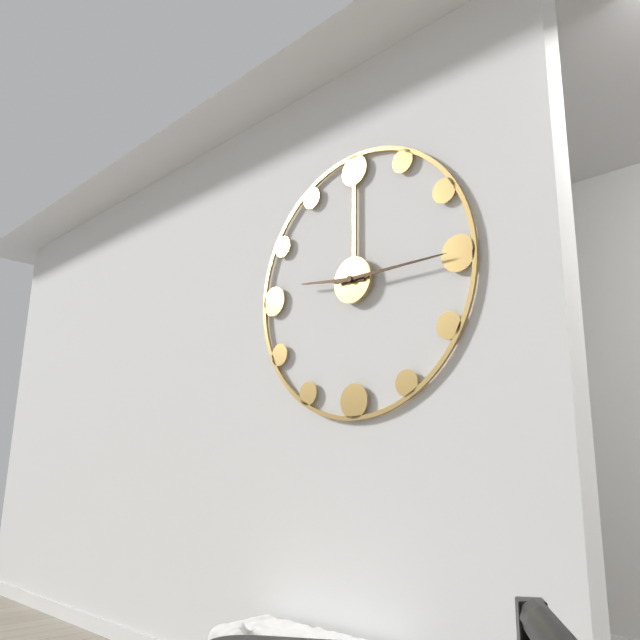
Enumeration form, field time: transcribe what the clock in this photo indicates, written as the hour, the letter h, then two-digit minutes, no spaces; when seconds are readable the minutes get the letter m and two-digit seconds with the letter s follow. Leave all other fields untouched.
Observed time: 9h15
